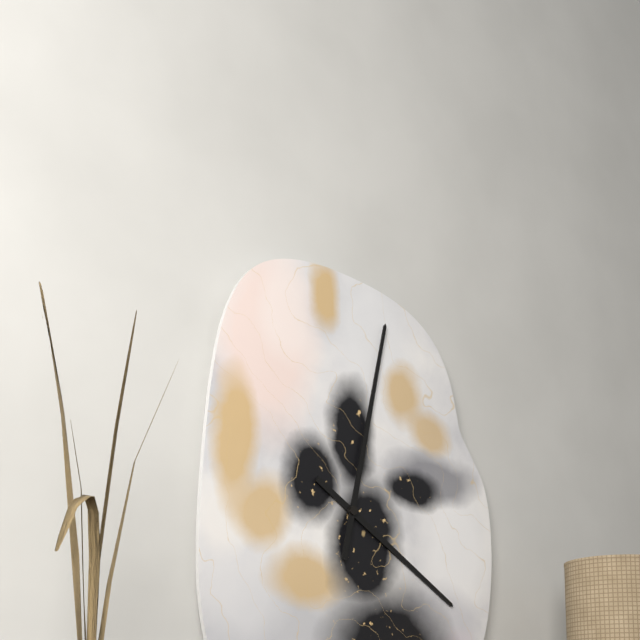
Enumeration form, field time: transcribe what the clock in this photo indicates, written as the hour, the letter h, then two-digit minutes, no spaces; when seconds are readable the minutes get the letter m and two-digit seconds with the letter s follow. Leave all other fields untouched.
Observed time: 4h02
